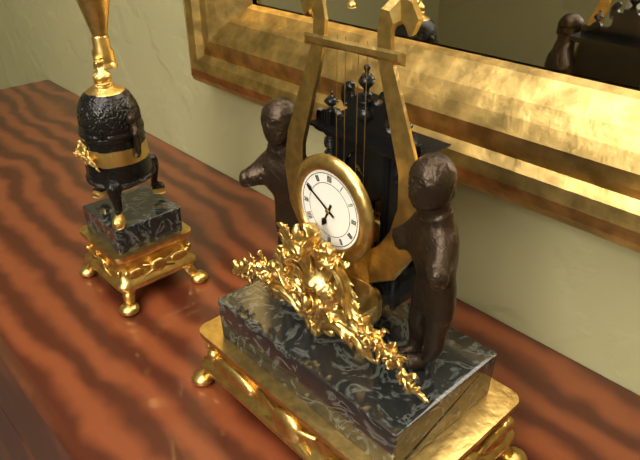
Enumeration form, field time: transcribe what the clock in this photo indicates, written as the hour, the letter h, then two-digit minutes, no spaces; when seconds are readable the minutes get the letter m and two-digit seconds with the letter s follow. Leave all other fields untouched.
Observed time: 6h50
